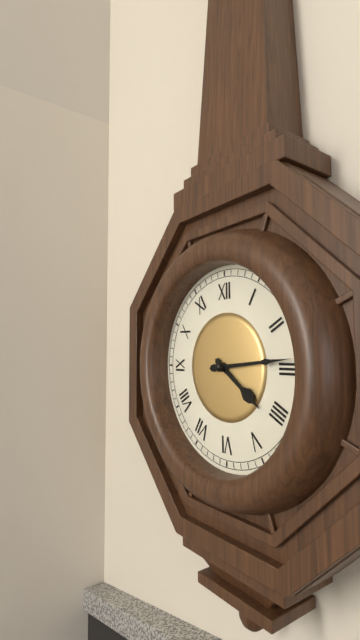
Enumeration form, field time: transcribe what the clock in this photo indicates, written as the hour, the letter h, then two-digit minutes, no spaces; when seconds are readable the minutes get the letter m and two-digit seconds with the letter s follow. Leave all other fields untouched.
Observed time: 4h14
